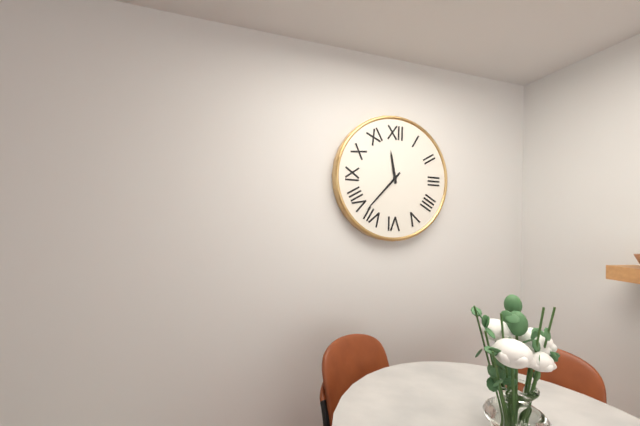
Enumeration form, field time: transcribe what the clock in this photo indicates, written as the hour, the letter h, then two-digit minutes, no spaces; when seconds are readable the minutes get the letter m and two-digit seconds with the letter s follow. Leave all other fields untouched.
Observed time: 11h37
